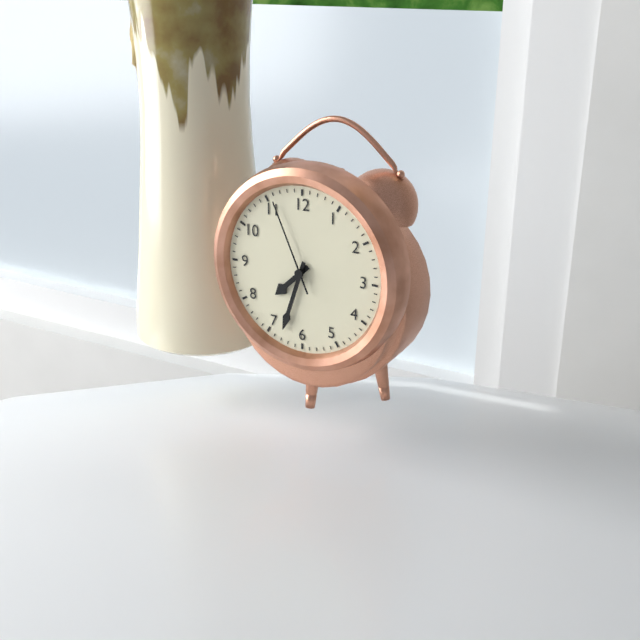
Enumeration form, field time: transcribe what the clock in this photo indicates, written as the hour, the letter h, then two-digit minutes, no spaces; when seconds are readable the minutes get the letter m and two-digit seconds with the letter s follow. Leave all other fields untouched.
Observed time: 7h33m56s
